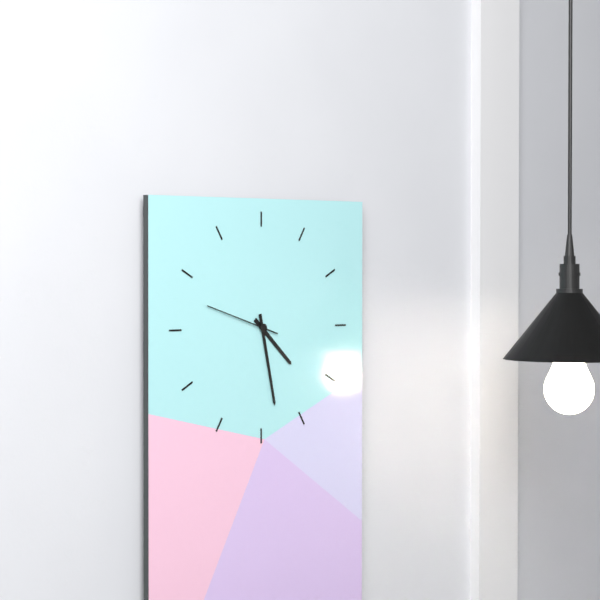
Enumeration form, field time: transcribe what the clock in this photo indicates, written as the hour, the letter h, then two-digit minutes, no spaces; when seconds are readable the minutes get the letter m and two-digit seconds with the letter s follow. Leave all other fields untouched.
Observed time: 4h28m48s
